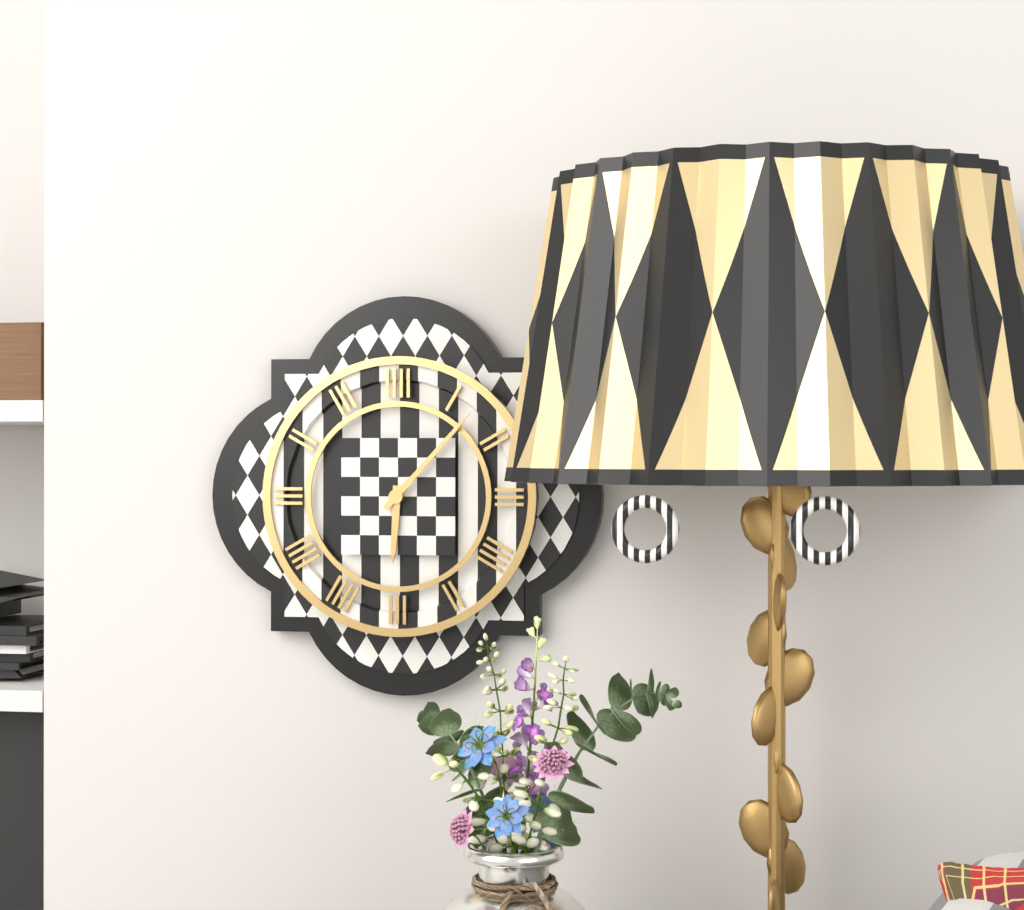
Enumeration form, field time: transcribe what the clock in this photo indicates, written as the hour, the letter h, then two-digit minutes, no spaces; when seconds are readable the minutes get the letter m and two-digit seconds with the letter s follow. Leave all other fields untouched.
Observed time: 6h07
